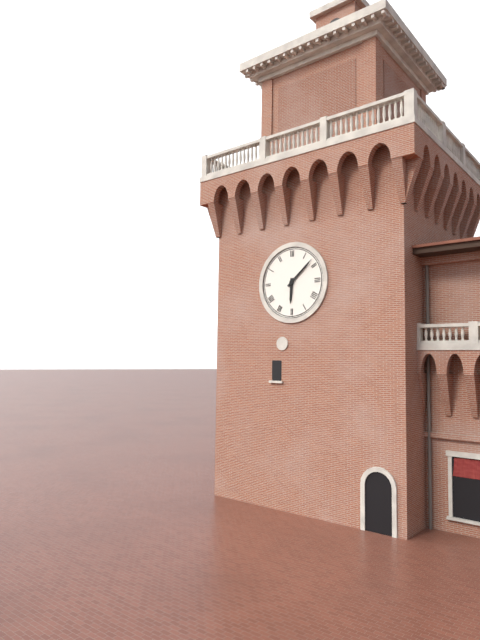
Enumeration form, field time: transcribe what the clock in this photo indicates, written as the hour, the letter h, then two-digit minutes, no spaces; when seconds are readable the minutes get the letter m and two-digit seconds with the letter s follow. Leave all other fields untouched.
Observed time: 6h08
